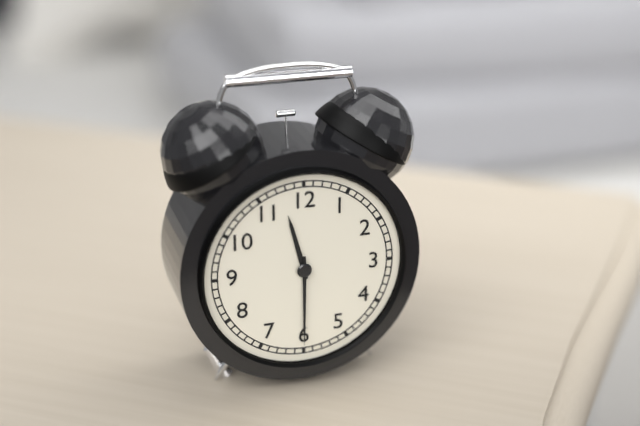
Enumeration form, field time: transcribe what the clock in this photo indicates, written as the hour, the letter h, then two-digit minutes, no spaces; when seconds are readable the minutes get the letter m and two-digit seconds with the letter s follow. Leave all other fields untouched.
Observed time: 11h30
